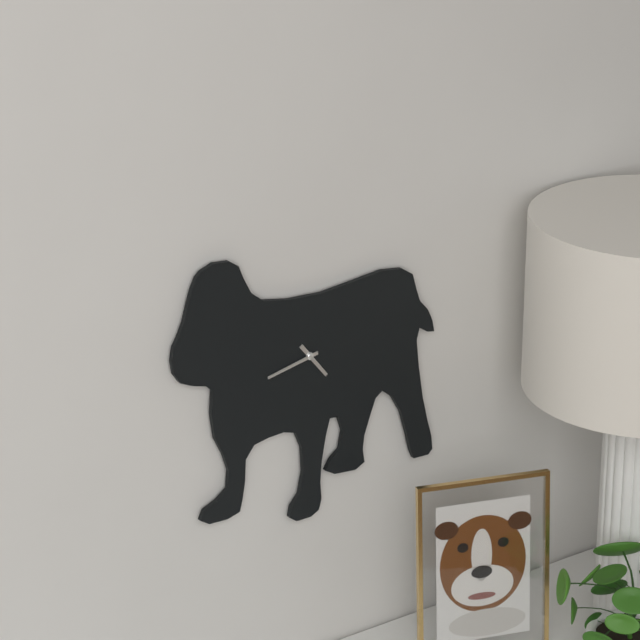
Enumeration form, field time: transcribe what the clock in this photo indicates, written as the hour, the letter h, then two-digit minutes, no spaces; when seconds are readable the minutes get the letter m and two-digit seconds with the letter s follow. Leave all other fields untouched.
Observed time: 4h43
